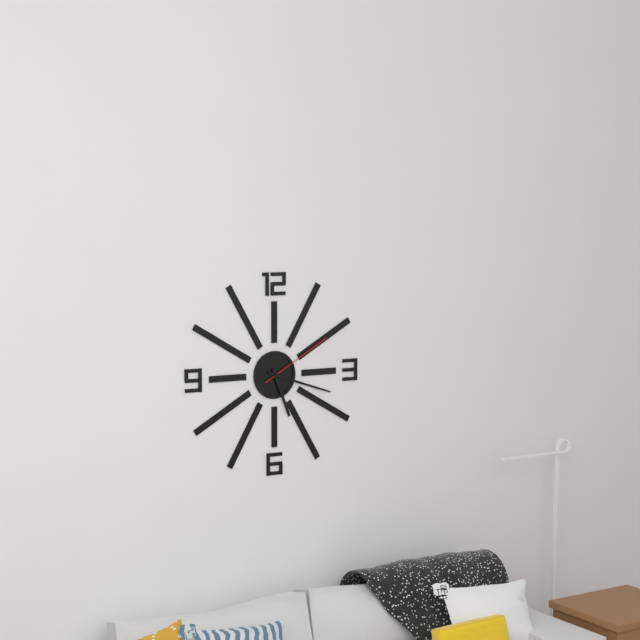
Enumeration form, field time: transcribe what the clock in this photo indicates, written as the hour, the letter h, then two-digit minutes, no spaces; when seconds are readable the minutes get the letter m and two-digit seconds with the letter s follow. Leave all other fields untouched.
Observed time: 5h18m10s
